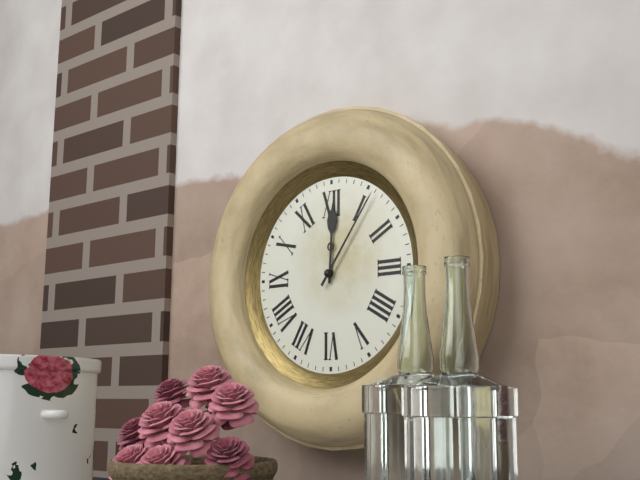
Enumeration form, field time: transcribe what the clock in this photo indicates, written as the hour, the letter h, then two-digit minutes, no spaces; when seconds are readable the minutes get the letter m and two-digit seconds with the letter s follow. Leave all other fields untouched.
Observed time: 12h06
